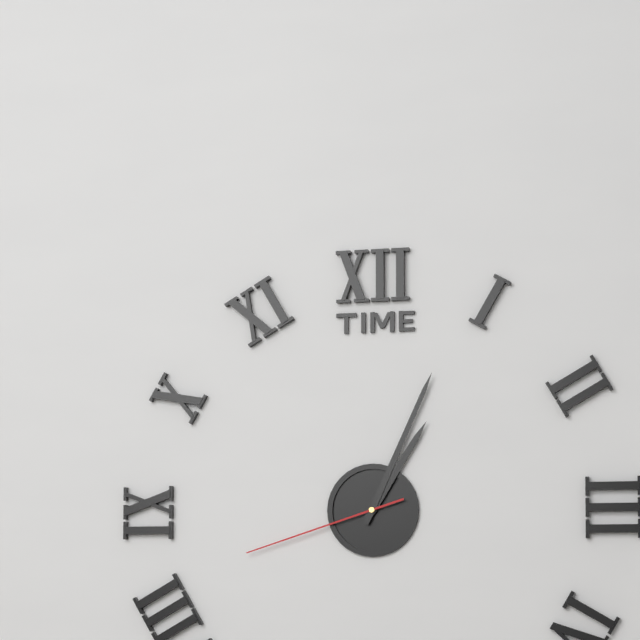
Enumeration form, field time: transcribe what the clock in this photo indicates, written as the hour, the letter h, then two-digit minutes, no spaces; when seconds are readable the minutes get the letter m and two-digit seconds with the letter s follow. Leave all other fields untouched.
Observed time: 1h04m42s
